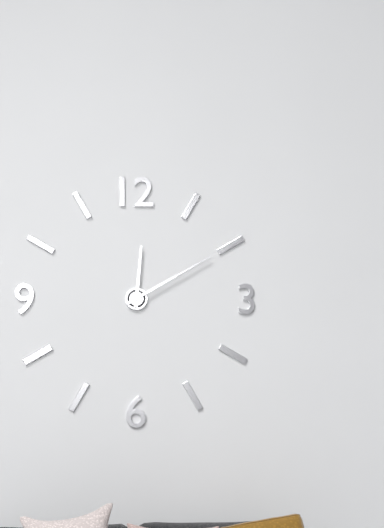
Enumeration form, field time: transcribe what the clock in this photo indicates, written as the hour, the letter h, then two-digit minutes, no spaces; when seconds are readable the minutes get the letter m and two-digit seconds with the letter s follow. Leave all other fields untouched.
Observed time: 12h10
